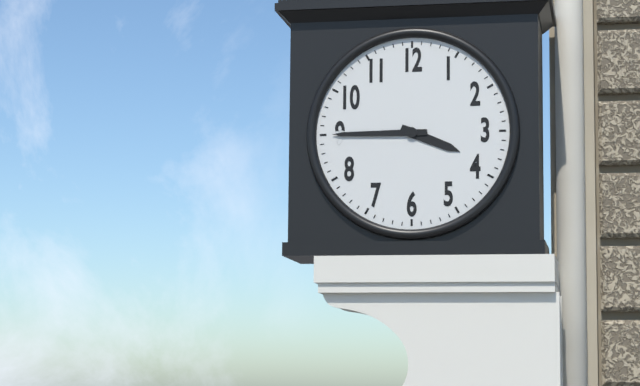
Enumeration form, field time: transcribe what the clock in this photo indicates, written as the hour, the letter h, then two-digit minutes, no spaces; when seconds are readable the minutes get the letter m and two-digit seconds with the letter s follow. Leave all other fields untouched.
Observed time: 3h45
